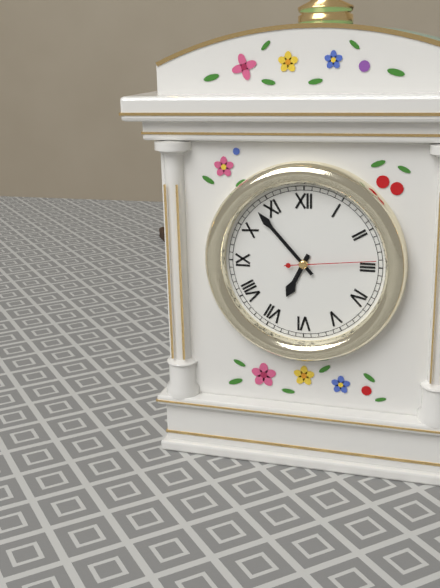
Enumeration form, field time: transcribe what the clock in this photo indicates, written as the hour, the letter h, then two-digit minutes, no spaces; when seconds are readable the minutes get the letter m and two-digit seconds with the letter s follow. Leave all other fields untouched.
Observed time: 6h53m14s
